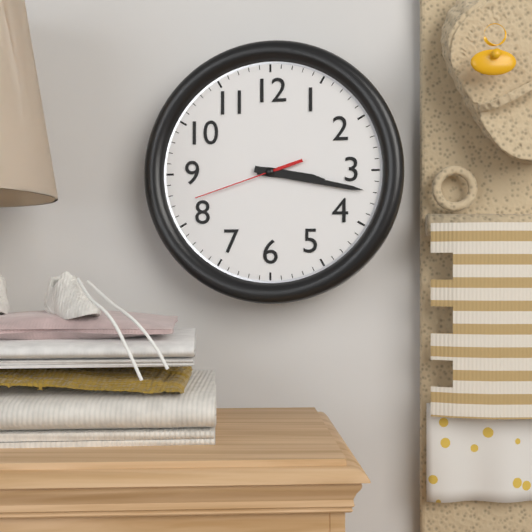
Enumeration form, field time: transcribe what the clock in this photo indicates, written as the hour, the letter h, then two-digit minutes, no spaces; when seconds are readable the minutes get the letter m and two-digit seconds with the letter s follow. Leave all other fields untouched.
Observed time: 3h17m42s
